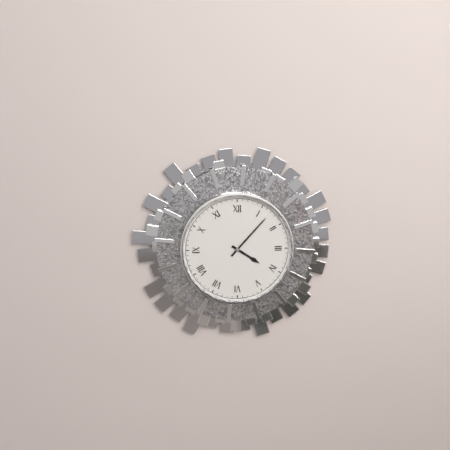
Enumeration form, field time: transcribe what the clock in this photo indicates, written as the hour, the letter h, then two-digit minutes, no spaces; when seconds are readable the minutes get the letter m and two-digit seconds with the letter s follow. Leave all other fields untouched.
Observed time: 4h07
